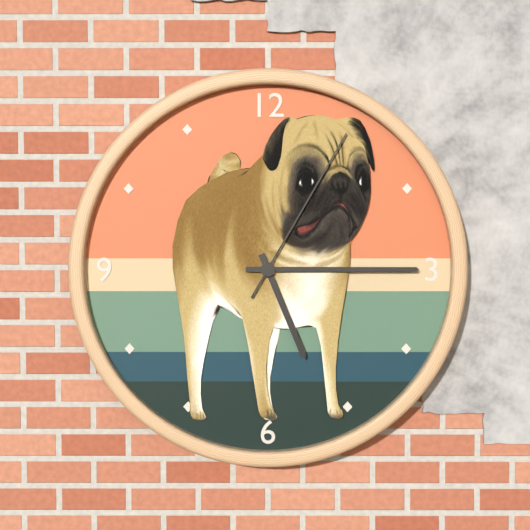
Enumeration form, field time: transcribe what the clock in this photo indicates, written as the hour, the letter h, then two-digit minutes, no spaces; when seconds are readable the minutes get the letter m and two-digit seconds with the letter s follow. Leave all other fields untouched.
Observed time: 5h15m05s
